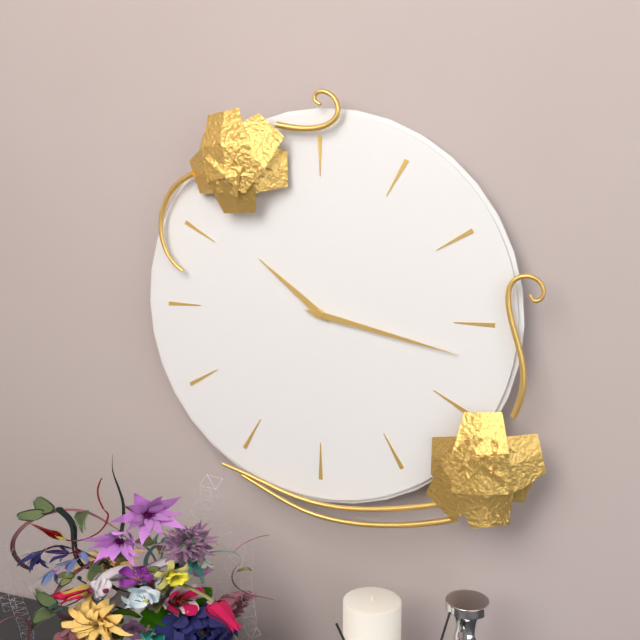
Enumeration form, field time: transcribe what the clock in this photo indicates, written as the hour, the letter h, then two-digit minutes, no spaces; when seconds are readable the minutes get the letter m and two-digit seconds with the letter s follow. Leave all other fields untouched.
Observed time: 10h17
